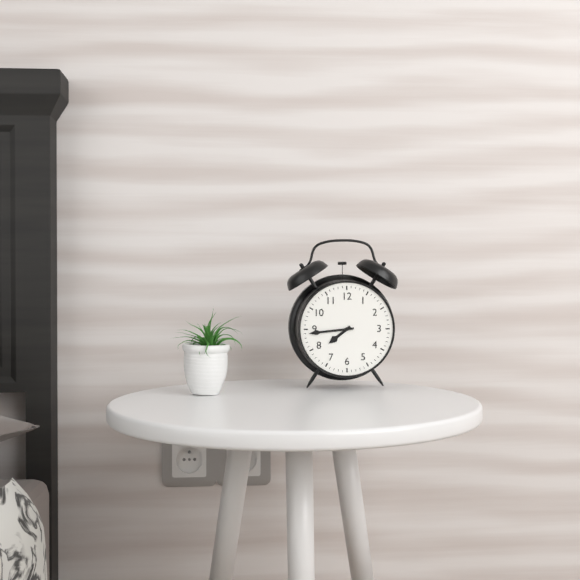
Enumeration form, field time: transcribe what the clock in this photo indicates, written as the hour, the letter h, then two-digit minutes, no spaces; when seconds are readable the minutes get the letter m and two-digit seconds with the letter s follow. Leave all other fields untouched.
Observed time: 7h44
